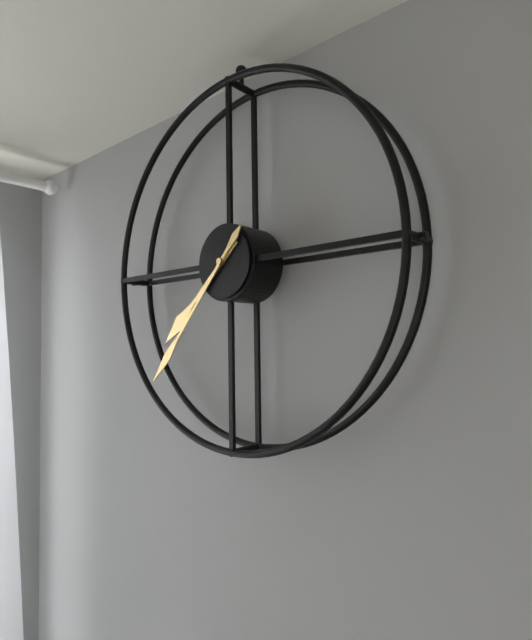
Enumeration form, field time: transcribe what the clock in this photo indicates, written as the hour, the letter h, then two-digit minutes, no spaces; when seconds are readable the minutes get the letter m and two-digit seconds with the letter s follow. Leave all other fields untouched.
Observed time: 7h37
